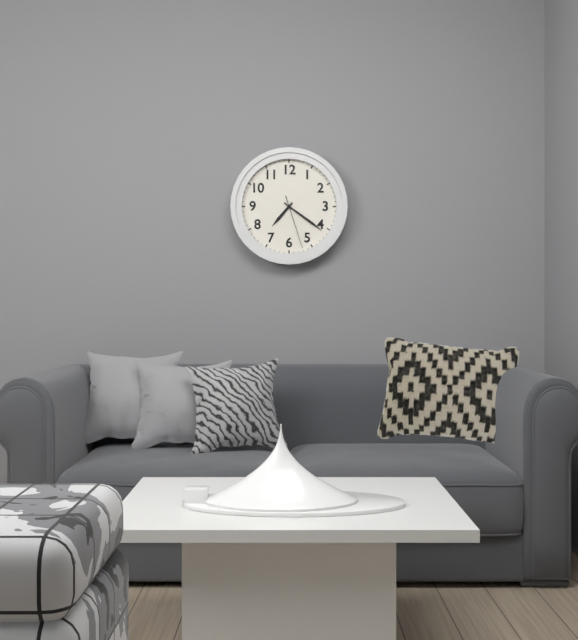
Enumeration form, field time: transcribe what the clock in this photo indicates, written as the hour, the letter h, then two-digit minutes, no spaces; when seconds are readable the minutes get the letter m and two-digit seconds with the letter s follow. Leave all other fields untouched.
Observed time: 7h21m27s
